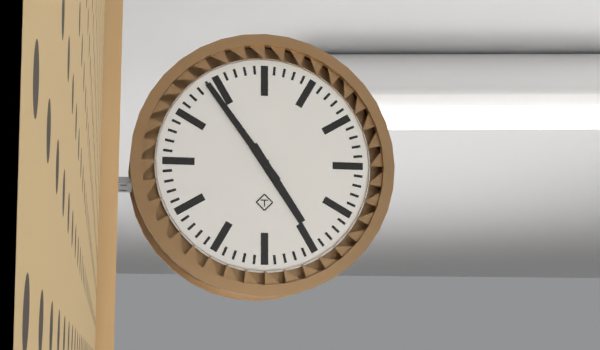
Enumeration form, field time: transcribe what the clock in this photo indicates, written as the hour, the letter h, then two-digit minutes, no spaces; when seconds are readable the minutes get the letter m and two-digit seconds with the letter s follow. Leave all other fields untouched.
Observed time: 4h54
